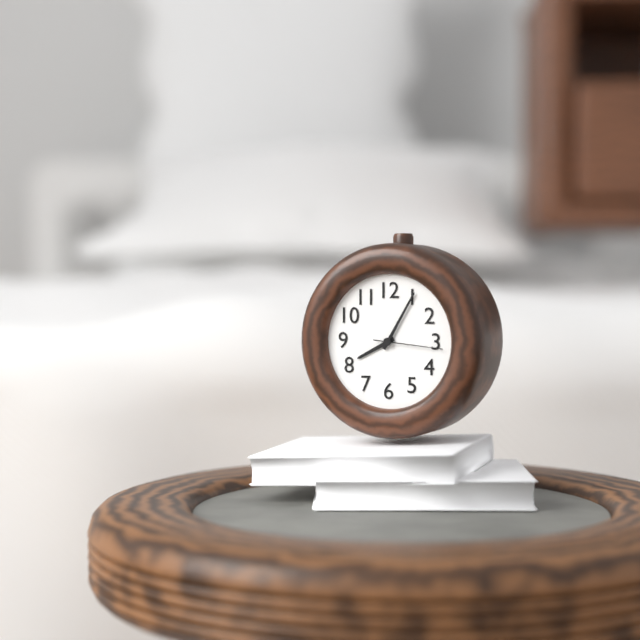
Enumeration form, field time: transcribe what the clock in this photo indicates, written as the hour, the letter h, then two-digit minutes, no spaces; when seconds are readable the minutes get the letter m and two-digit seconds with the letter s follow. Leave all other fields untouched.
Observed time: 8h05m16s
